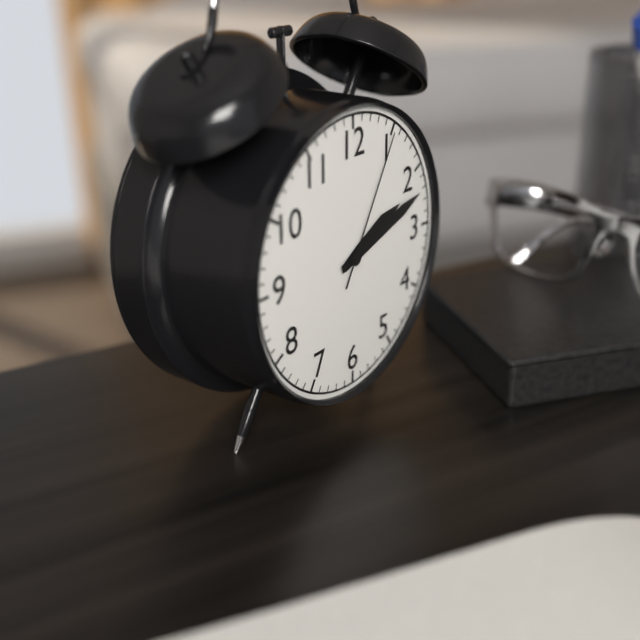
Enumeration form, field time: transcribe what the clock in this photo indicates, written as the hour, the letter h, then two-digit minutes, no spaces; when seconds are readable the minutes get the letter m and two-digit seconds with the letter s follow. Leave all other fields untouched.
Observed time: 2h12m05s
